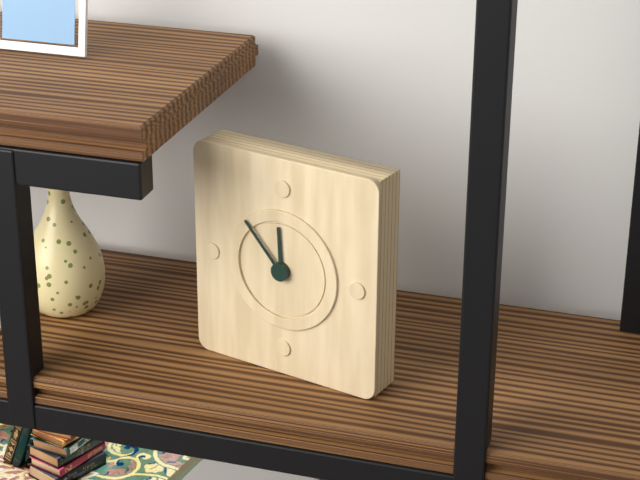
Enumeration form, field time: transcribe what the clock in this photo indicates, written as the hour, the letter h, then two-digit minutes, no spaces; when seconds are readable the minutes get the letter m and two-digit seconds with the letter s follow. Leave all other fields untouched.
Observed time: 11h53
